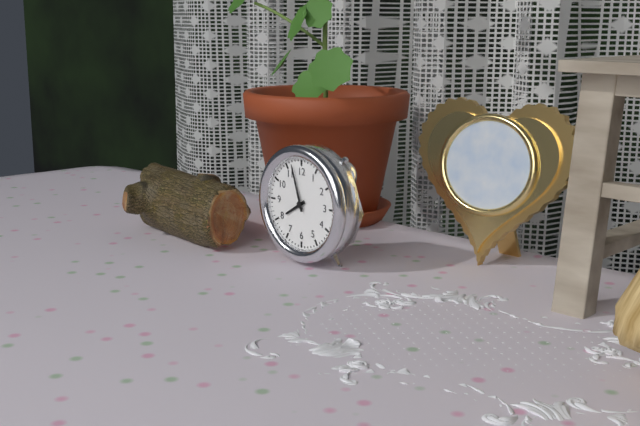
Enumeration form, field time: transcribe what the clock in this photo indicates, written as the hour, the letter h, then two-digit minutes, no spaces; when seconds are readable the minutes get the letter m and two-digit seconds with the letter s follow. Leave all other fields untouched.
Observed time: 7h57
